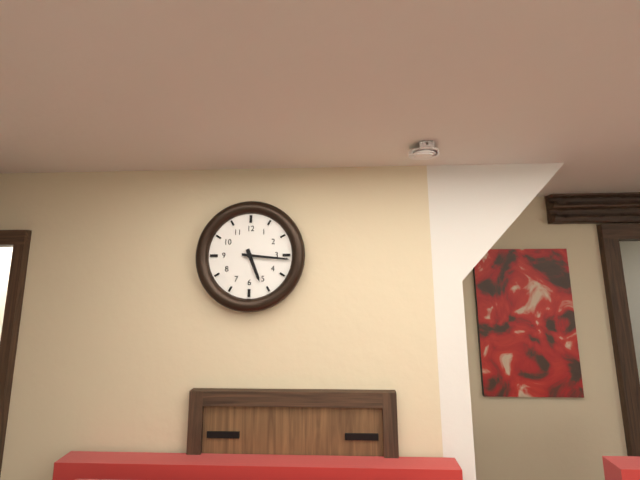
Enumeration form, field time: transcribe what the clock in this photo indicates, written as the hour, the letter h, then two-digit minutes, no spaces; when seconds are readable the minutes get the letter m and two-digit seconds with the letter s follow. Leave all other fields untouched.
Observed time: 5h16
